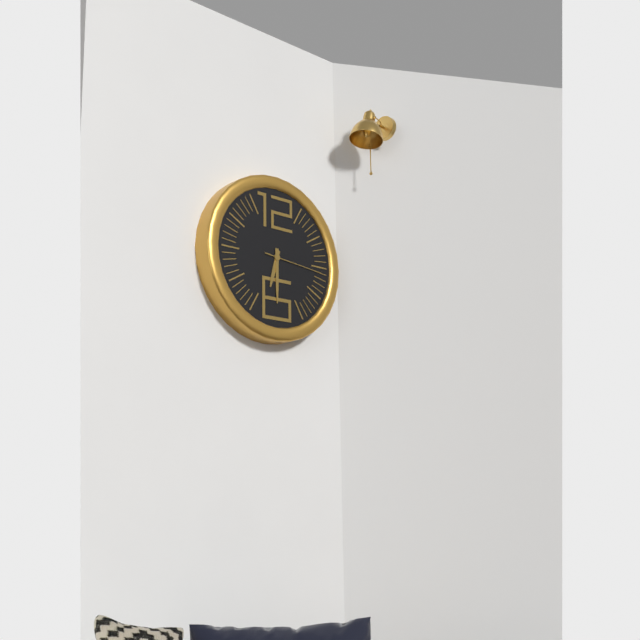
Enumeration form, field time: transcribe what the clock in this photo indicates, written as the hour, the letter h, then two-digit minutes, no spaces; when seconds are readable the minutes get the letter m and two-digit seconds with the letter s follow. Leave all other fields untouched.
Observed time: 6h30m16s
